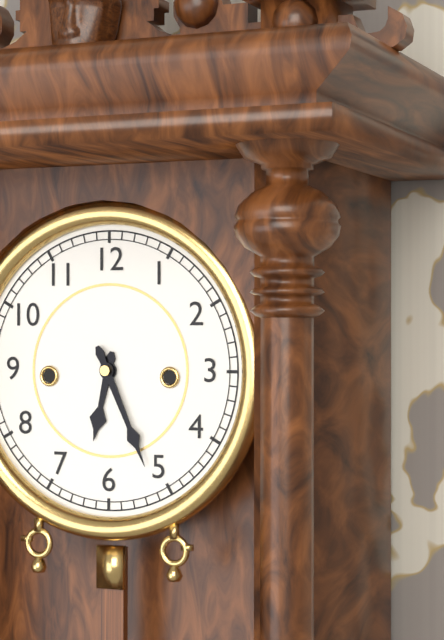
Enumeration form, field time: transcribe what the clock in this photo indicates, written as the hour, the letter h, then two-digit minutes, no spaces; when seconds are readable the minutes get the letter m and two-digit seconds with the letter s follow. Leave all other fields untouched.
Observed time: 6h26
